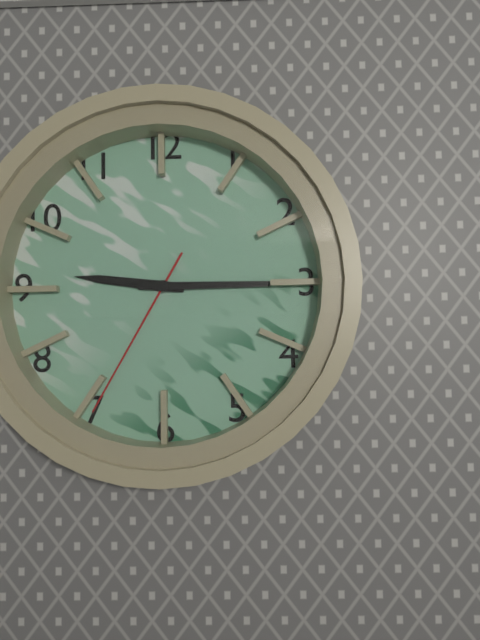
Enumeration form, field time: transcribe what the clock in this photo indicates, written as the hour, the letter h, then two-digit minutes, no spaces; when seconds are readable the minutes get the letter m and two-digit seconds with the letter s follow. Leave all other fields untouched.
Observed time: 9h15m35s
